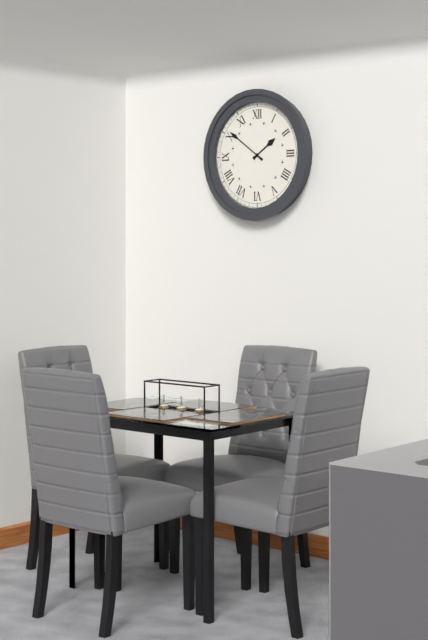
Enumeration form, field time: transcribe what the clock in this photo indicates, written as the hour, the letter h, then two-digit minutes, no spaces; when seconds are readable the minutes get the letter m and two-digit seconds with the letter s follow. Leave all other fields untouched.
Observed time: 1h51
